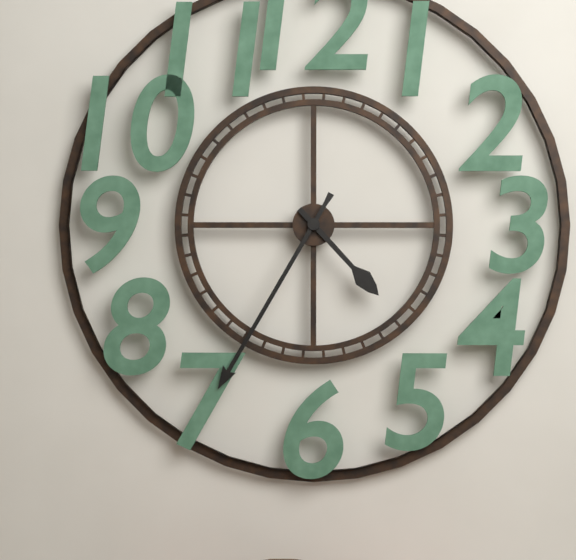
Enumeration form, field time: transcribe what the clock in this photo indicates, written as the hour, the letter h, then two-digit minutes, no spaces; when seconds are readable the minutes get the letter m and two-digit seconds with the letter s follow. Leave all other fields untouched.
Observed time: 4h35
